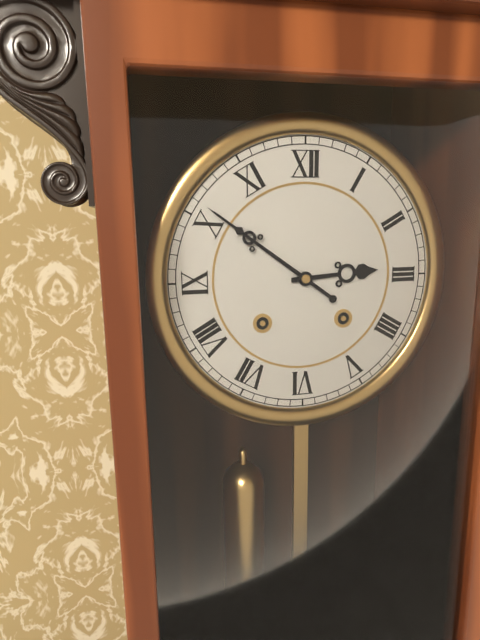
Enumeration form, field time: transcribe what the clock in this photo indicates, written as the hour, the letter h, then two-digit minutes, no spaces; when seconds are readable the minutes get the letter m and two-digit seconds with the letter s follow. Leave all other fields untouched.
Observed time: 2h51
